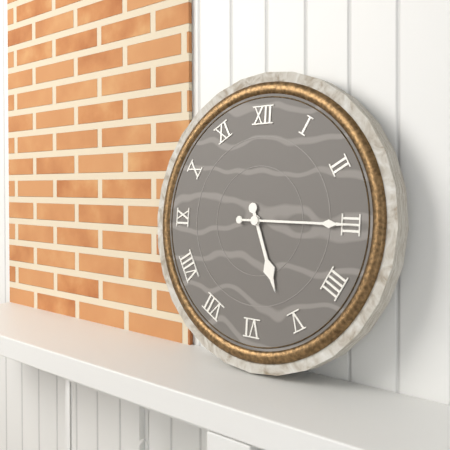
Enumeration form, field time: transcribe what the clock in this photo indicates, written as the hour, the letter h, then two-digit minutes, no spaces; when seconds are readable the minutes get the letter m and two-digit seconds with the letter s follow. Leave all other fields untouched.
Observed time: 5h15
